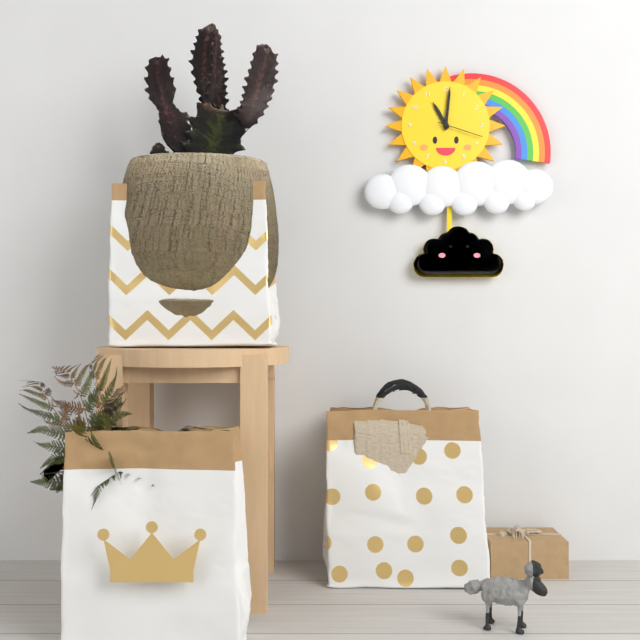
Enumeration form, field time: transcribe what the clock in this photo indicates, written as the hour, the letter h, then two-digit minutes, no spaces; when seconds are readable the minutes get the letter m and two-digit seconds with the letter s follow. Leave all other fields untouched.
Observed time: 11h01
